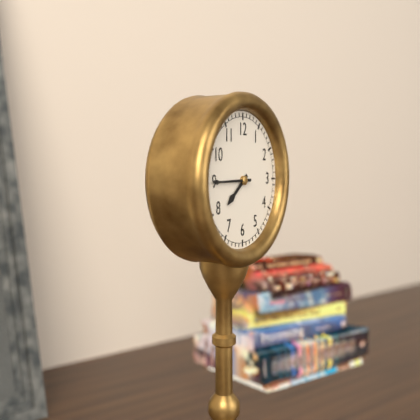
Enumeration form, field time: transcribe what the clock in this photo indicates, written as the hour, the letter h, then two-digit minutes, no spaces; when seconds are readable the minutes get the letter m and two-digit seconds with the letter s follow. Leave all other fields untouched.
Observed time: 7h45
